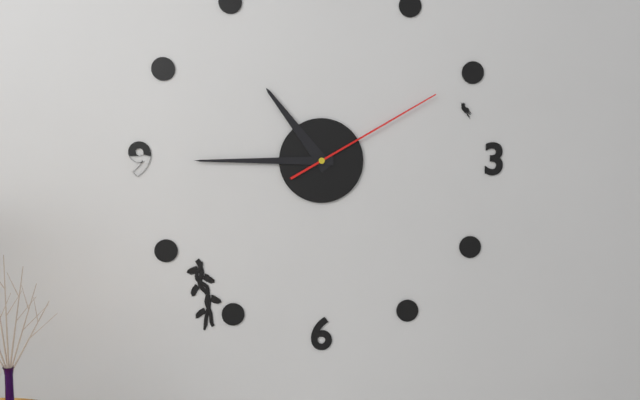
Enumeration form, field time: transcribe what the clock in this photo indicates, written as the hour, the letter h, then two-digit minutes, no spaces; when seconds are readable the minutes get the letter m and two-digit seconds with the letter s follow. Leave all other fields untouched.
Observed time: 10h45m10s
